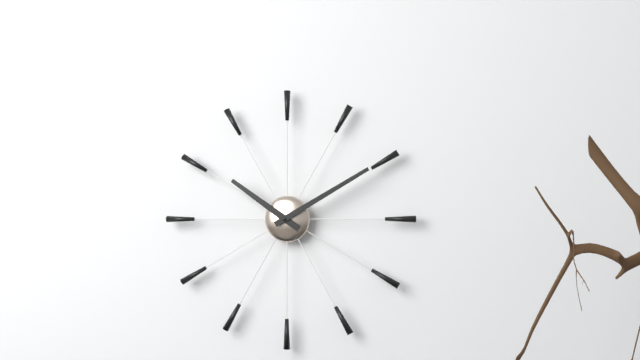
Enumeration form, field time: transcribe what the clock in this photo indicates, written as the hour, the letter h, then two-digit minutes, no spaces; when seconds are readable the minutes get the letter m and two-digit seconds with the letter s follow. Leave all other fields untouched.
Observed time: 10h10
